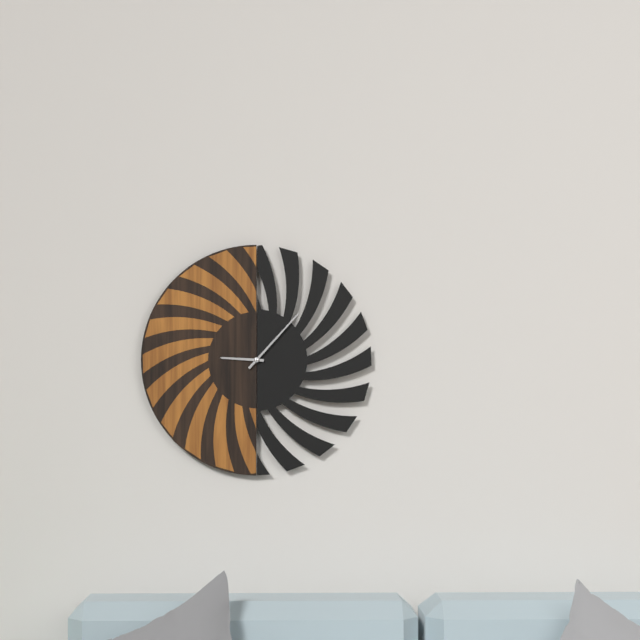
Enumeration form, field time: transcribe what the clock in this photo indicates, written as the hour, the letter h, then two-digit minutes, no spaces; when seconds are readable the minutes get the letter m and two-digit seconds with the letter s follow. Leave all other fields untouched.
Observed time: 9h07
